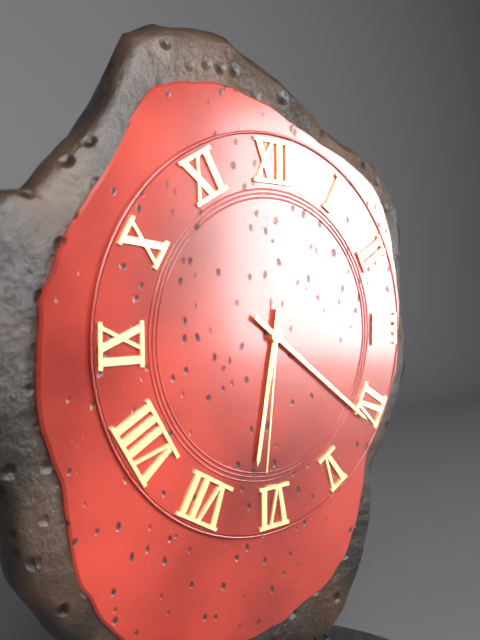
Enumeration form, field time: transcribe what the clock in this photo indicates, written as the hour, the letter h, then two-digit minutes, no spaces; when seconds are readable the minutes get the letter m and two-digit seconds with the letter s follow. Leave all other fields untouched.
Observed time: 6h21m31s
